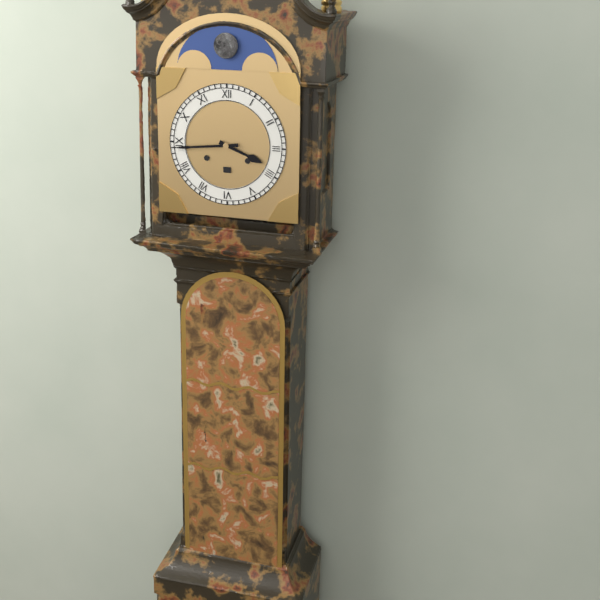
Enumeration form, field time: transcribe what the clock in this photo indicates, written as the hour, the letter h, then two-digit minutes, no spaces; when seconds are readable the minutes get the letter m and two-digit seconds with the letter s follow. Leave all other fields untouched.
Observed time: 3h44
